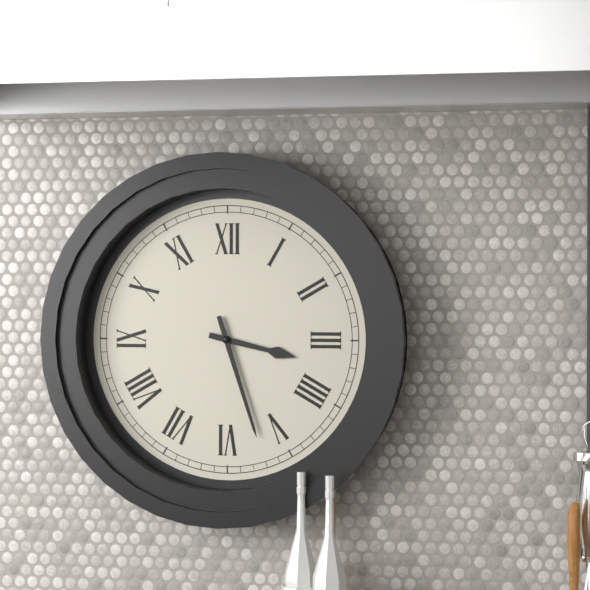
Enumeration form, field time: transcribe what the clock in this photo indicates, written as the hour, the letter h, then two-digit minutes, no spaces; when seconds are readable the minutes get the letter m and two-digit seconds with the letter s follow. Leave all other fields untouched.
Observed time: 3h27
